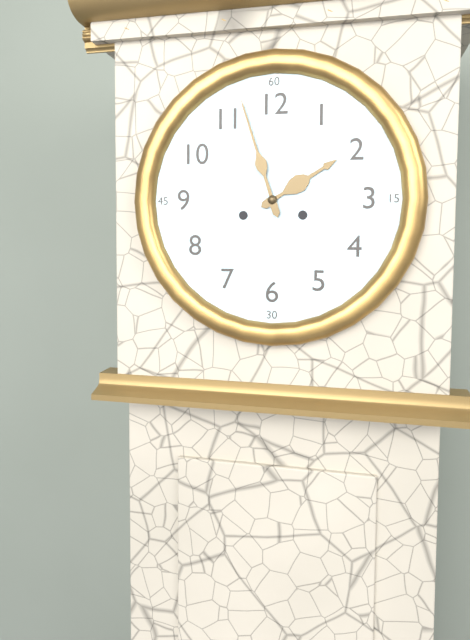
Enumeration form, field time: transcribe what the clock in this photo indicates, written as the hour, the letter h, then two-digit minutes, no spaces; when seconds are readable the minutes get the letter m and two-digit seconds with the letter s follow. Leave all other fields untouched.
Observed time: 1h57
